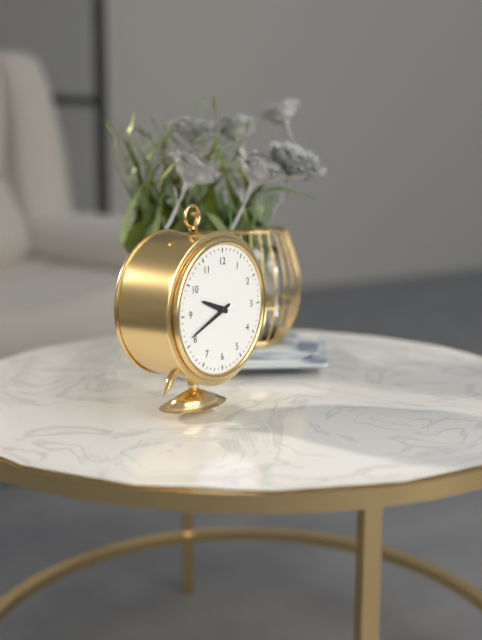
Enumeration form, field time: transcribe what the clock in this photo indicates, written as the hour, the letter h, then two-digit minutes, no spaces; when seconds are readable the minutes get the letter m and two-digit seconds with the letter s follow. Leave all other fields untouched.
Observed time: 9h41
